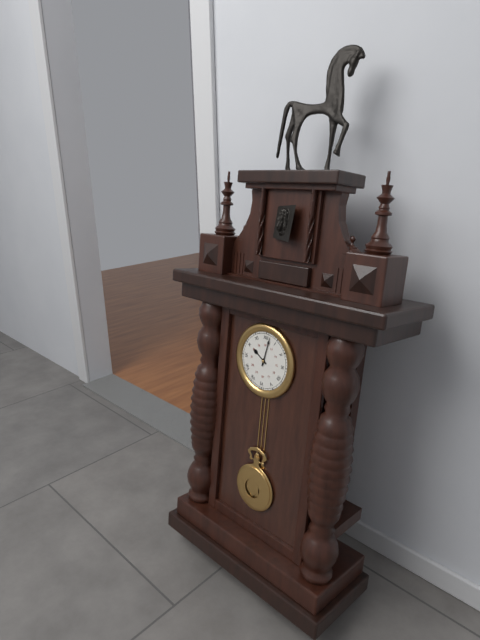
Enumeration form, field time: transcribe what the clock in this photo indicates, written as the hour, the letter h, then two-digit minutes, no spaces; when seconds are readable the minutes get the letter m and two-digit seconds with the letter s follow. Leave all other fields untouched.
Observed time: 10h02
